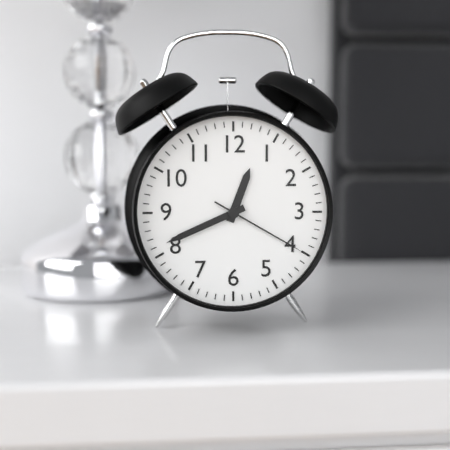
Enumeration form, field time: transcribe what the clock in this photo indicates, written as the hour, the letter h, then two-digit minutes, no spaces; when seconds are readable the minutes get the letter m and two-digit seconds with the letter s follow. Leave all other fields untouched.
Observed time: 12h41m20s
